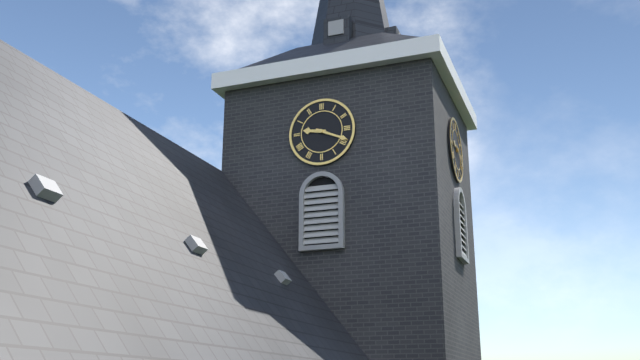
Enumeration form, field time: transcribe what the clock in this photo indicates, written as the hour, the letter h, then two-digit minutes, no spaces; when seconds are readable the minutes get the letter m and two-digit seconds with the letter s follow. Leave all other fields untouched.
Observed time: 9h19
